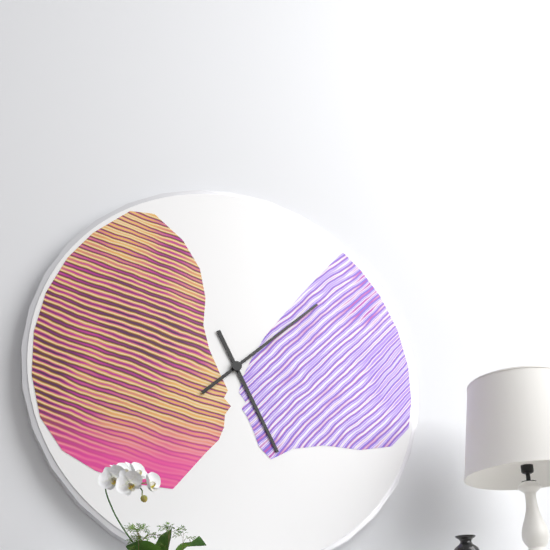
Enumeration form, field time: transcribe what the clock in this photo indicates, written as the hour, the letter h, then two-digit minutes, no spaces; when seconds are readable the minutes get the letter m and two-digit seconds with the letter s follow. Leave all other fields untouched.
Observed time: 5h08
